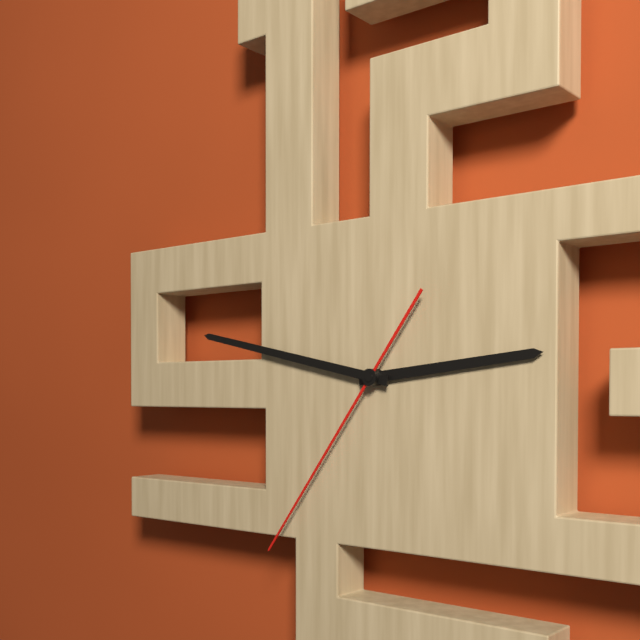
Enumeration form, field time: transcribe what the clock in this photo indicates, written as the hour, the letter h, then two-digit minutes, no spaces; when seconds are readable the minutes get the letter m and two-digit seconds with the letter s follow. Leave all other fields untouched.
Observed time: 2h47m36s
